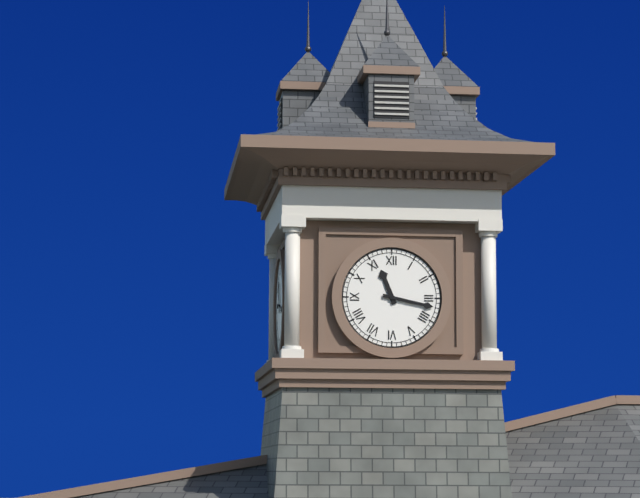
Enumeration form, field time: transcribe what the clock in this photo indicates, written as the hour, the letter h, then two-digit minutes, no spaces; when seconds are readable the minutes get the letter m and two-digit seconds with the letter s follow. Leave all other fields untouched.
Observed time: 11h17
